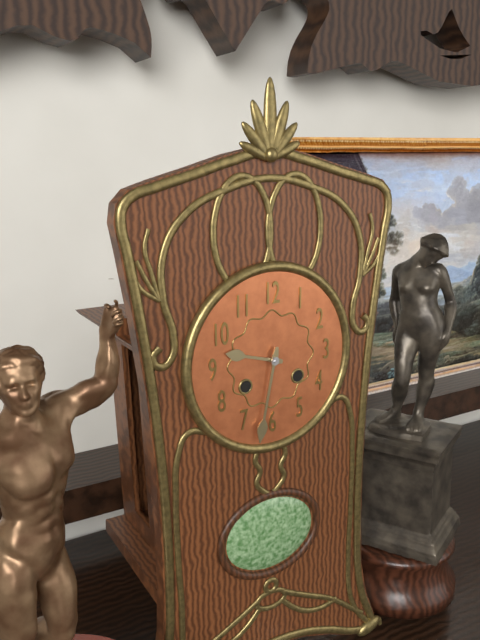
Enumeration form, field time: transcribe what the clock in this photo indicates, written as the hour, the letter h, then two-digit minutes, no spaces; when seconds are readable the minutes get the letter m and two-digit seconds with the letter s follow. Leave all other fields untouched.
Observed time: 9h32
